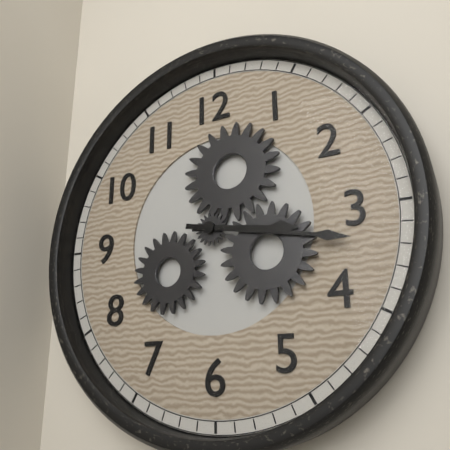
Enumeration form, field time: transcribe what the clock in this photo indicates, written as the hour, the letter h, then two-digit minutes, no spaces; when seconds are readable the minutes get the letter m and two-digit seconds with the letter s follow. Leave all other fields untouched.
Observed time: 3h17
